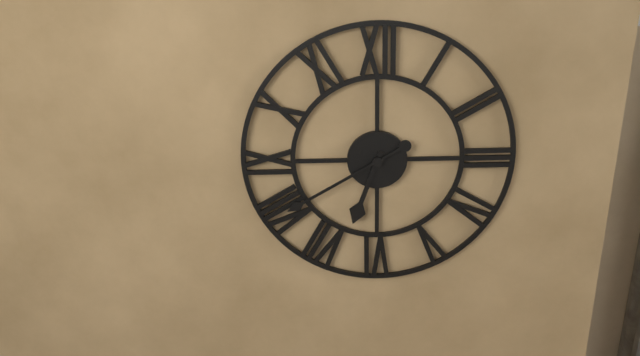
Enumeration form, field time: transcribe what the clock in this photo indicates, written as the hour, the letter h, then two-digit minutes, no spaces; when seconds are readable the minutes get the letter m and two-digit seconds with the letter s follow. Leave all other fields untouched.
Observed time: 6h40
